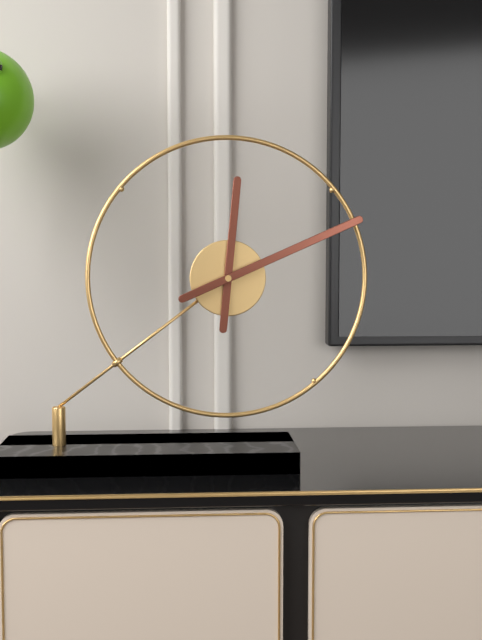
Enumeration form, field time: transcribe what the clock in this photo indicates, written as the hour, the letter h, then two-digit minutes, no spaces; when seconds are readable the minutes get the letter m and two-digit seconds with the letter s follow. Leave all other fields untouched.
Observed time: 12h11
